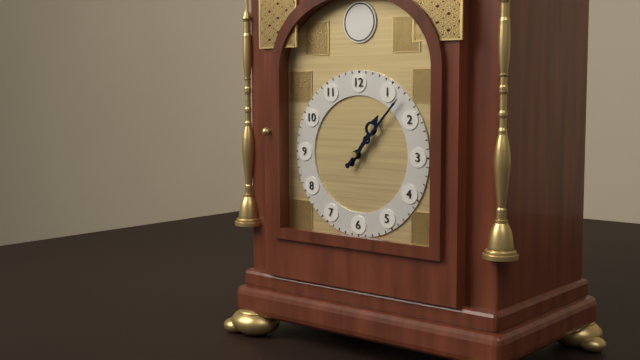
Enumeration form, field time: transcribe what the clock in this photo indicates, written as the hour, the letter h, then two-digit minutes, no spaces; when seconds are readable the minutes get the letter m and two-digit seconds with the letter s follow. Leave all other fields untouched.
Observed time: 1h07
